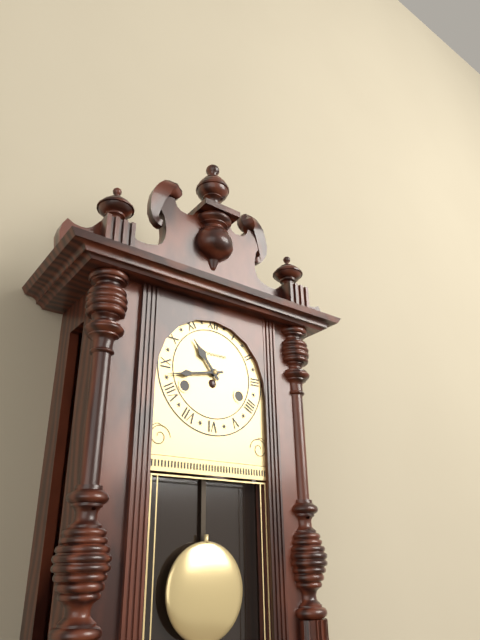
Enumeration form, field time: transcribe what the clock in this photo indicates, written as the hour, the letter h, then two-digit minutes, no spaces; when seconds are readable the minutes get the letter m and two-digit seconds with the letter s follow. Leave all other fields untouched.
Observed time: 10h43
